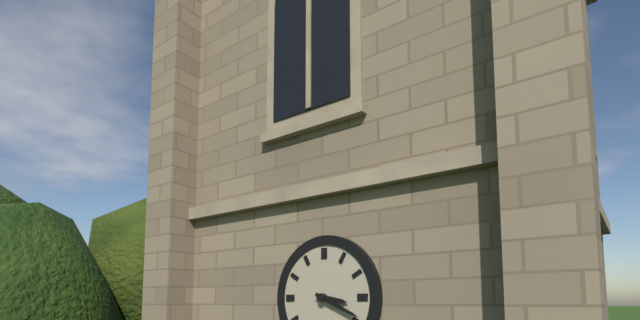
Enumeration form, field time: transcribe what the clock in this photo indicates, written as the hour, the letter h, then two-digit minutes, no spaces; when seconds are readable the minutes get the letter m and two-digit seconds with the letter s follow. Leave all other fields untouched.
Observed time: 3h19
